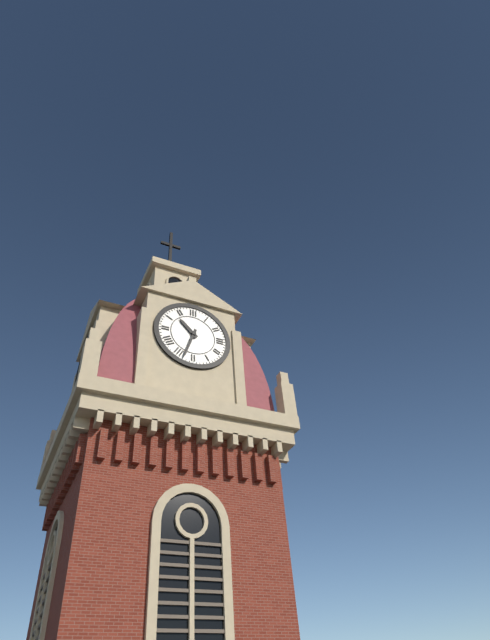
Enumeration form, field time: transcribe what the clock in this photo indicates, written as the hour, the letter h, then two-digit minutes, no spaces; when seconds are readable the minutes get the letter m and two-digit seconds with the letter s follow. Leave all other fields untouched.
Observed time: 10h33
